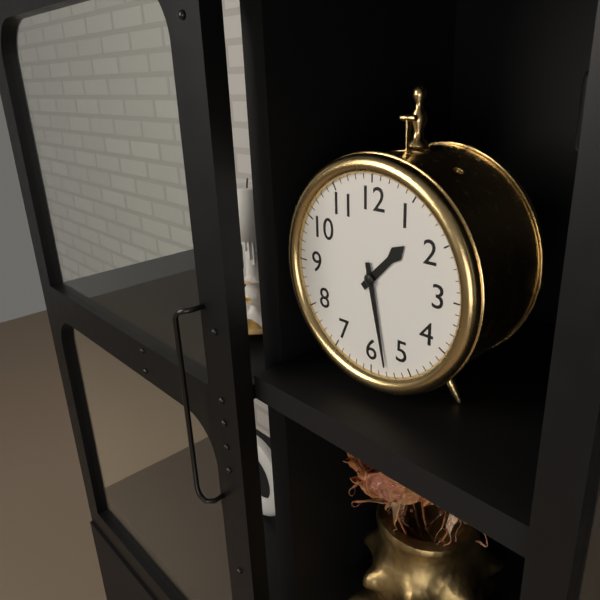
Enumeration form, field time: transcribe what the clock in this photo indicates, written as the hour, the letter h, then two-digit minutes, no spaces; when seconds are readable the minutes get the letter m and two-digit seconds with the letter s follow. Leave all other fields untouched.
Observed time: 1h28
